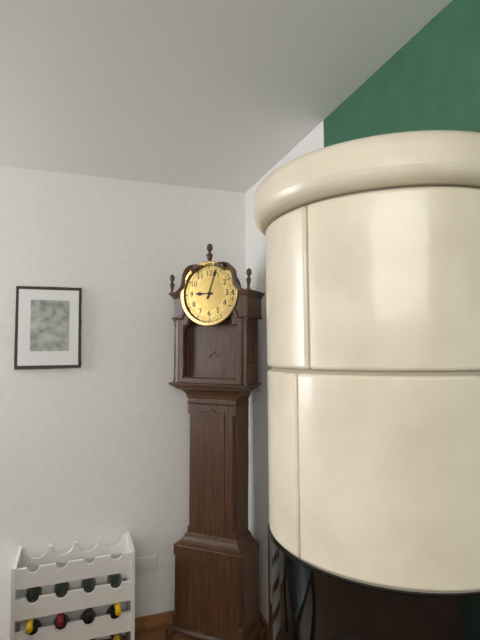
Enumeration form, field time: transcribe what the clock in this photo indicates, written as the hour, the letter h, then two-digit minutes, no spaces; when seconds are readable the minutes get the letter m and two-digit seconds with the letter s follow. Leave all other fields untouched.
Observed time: 9h03
